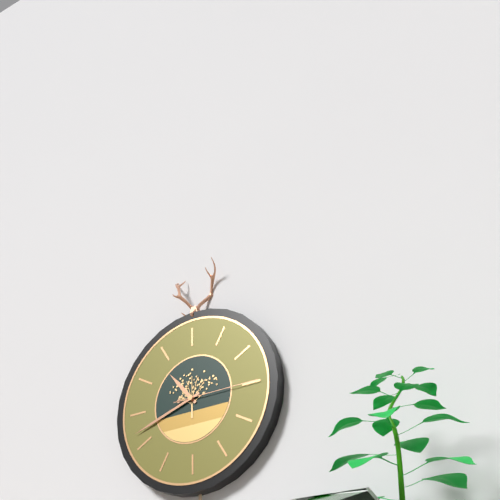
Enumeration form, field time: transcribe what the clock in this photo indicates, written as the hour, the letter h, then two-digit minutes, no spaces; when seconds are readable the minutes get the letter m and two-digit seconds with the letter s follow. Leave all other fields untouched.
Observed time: 10h42m15s
